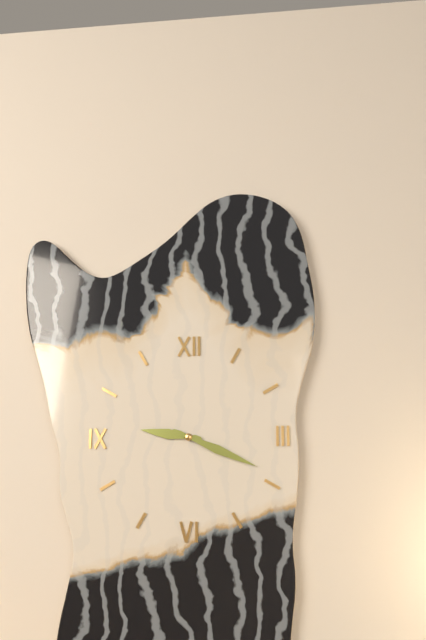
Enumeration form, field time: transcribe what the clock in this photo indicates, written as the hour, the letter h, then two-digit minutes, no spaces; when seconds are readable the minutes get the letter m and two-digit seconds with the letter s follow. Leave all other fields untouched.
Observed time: 9h19
